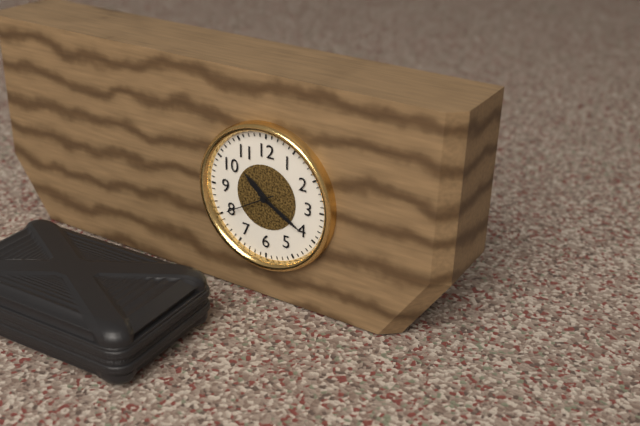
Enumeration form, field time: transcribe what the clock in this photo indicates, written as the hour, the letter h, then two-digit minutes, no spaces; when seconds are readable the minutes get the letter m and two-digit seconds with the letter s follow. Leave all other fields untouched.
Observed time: 10h20
